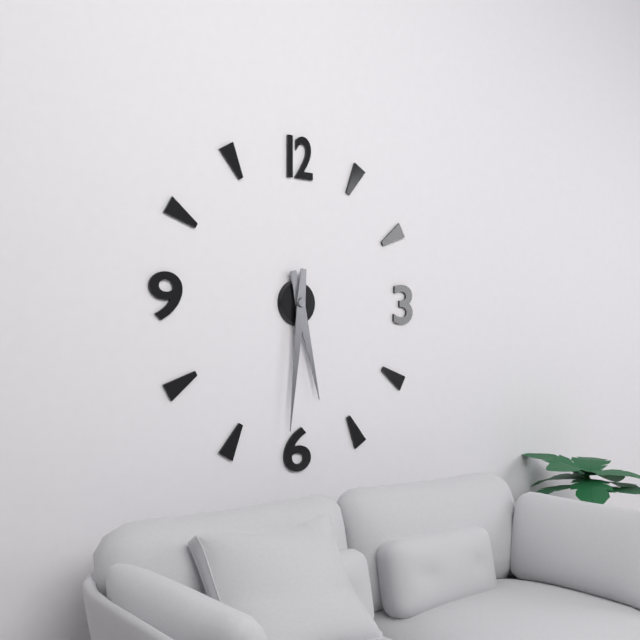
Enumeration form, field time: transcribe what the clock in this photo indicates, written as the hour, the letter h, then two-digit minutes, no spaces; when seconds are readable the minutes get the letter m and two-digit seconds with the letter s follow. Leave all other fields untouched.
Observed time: 5h31
